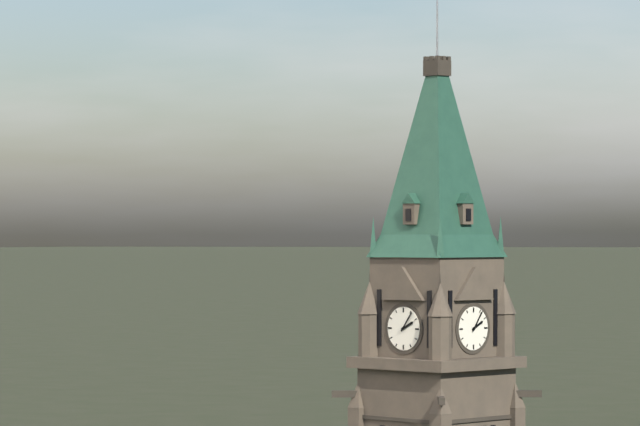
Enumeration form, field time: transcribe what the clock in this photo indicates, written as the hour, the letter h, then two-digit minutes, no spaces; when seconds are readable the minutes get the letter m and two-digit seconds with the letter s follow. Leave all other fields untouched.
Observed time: 2h06
